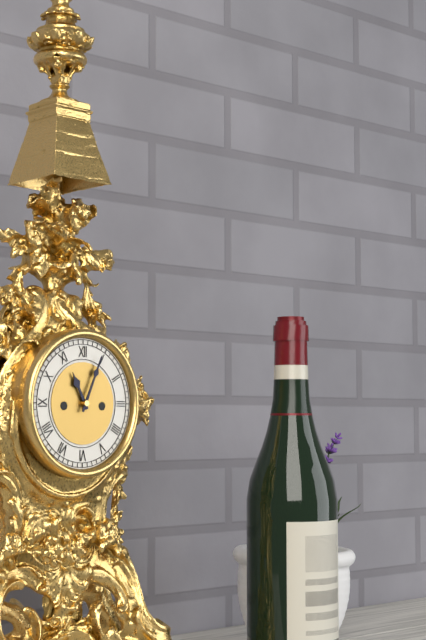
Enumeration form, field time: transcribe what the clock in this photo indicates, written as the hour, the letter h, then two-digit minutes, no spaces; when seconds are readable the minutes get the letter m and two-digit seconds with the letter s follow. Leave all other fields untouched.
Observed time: 11h04
